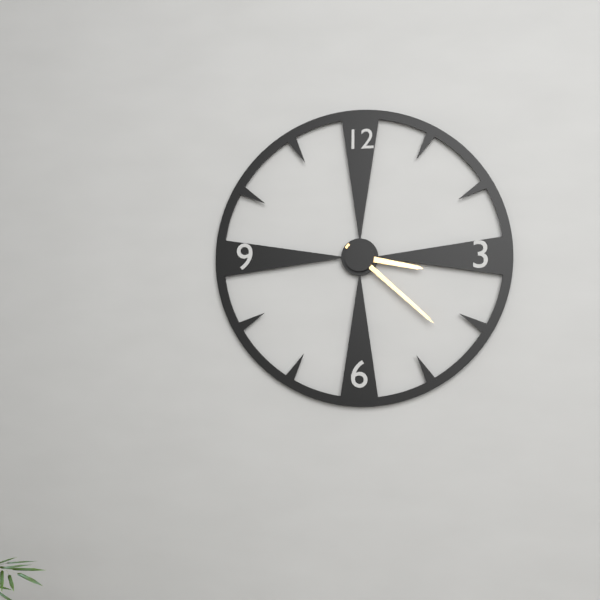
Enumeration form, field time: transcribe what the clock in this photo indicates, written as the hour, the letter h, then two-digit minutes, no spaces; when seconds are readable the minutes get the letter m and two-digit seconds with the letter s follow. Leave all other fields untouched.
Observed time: 3h22
